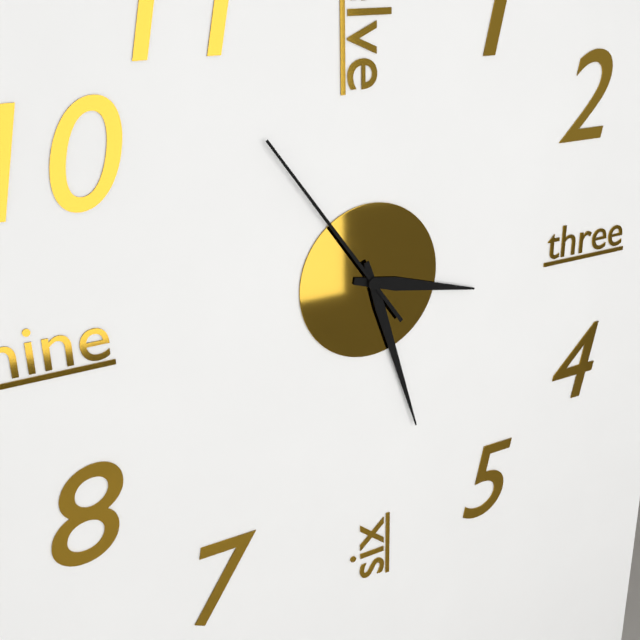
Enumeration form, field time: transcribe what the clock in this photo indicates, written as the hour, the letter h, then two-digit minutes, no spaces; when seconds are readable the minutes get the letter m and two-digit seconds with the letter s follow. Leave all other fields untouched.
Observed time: 3h27m54s
